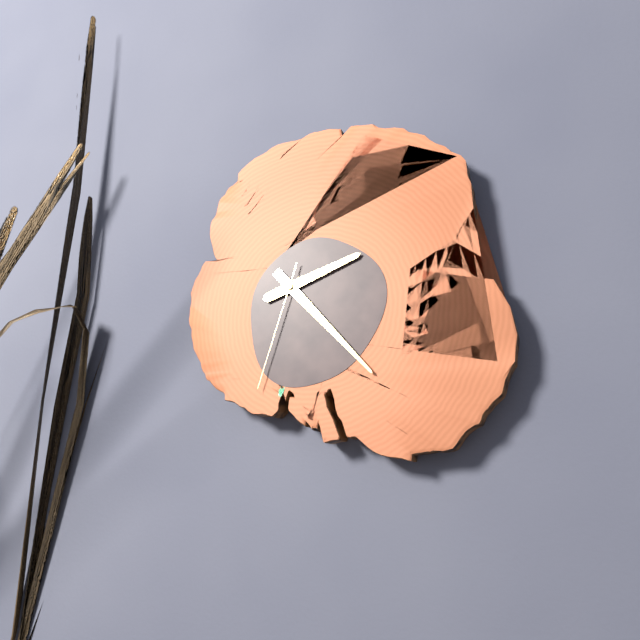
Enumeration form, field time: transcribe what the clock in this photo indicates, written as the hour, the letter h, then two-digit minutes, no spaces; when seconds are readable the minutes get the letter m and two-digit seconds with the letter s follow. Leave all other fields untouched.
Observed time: 2h23m33s
